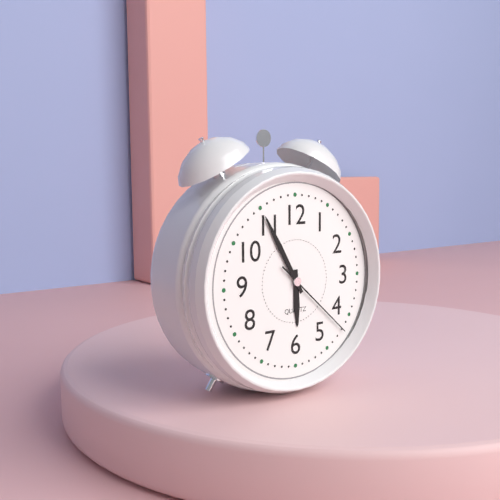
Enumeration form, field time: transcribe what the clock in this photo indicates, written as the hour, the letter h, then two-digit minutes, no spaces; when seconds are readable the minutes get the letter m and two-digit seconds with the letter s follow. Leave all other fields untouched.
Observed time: 5h55m22s
